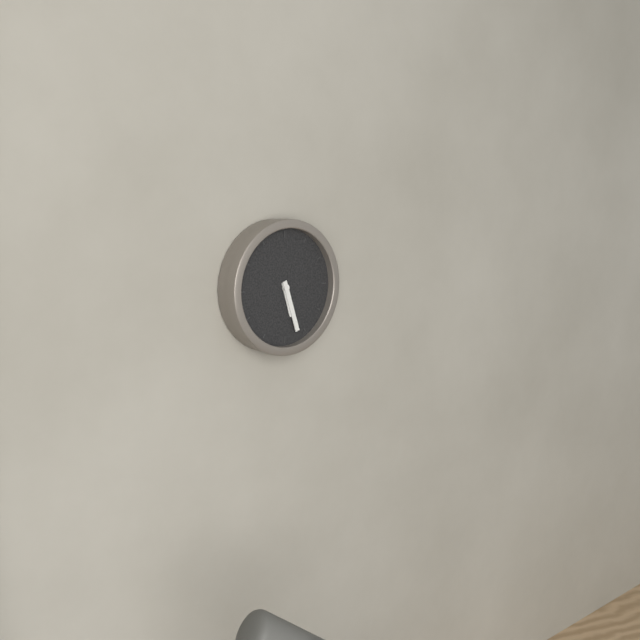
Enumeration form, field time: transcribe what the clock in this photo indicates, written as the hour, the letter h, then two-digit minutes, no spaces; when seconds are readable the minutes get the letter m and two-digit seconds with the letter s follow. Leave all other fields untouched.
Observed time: 5h27
